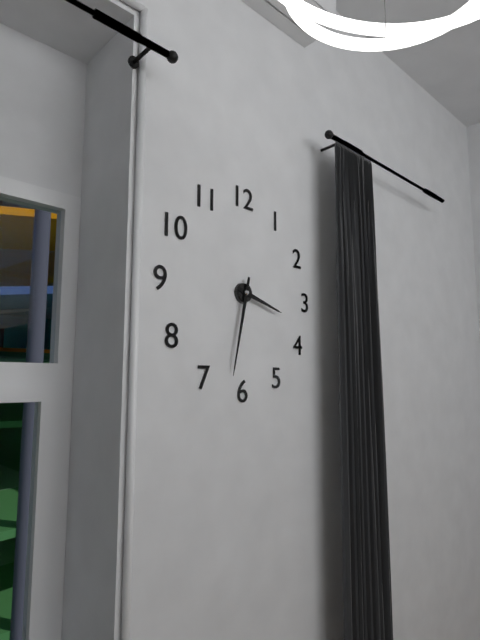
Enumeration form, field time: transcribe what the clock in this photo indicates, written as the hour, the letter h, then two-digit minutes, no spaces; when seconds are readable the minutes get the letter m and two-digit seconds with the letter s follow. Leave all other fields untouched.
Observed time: 3h32
